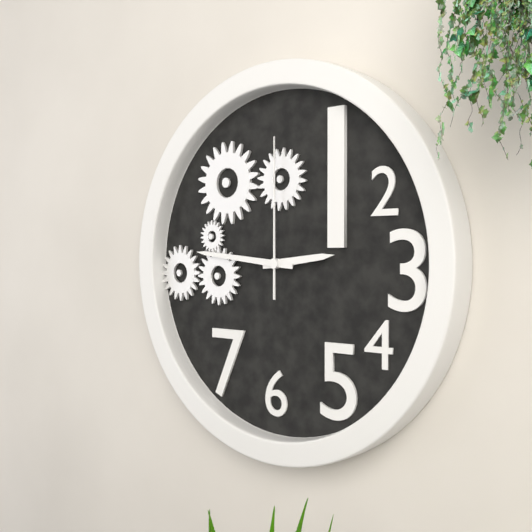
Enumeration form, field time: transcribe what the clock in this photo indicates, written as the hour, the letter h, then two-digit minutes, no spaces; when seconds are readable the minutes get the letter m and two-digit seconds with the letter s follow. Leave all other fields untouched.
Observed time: 2h46m00s
